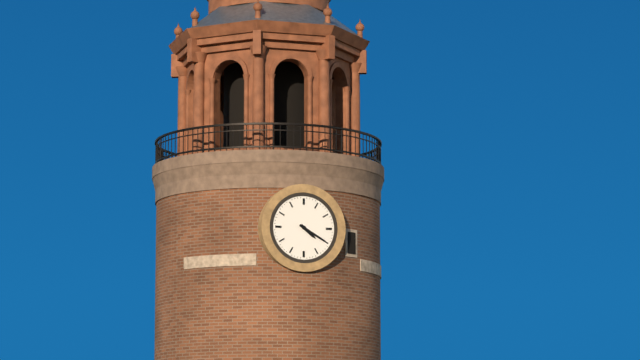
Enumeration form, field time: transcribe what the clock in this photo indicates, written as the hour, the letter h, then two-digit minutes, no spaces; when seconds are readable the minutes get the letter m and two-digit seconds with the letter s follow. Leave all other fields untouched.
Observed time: 4h20
